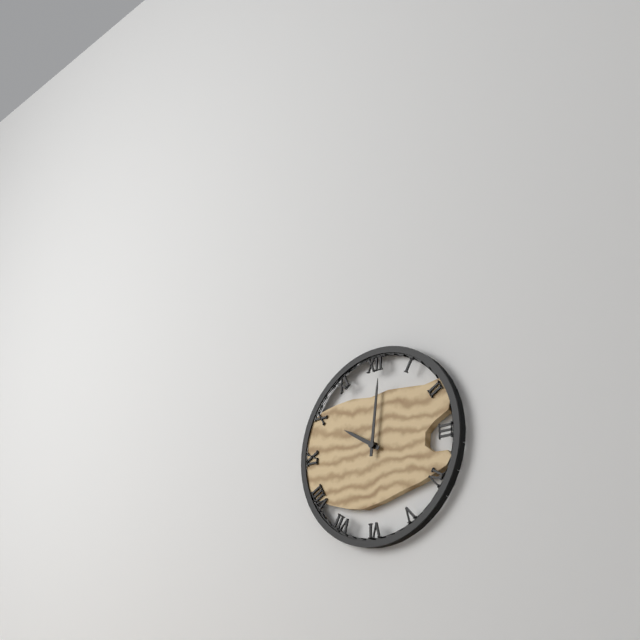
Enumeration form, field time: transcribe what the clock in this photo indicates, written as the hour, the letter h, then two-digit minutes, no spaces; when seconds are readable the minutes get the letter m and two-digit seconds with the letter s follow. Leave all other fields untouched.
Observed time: 10h01
